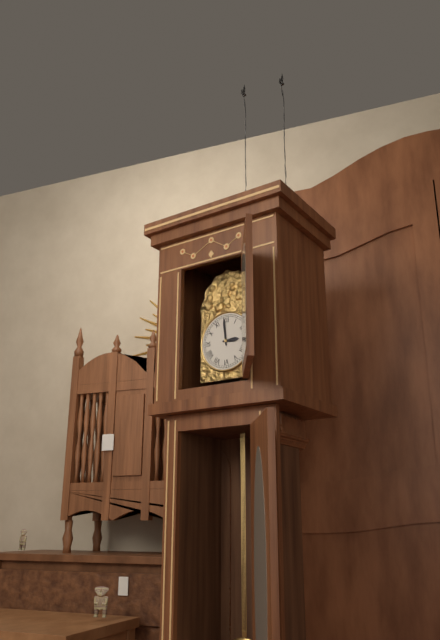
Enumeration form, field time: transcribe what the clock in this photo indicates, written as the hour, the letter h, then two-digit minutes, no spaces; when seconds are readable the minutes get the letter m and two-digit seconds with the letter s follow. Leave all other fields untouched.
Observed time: 2h59
